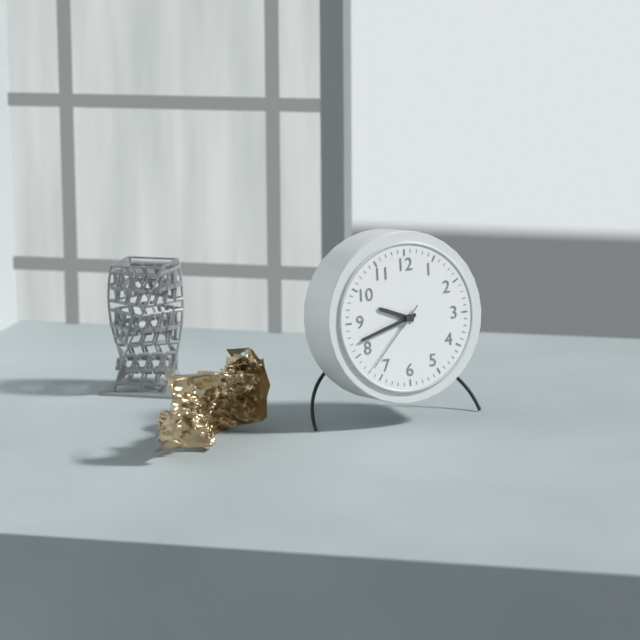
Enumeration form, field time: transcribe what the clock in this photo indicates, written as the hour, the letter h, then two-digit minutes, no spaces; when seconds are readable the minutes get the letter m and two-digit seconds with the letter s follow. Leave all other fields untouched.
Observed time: 9h42m37s
